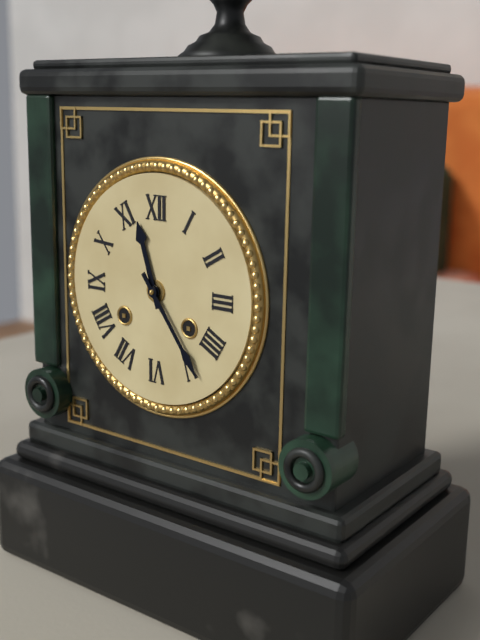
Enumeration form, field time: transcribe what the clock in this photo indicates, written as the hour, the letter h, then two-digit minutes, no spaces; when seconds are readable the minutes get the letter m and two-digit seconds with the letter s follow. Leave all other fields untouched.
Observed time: 11h24
